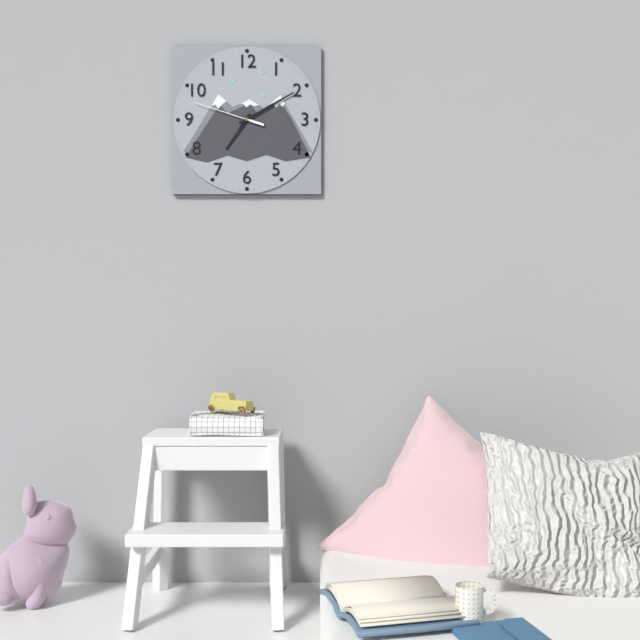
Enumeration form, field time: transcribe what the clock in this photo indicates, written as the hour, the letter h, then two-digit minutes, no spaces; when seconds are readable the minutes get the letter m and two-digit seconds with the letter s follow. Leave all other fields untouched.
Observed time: 7h10m48s
